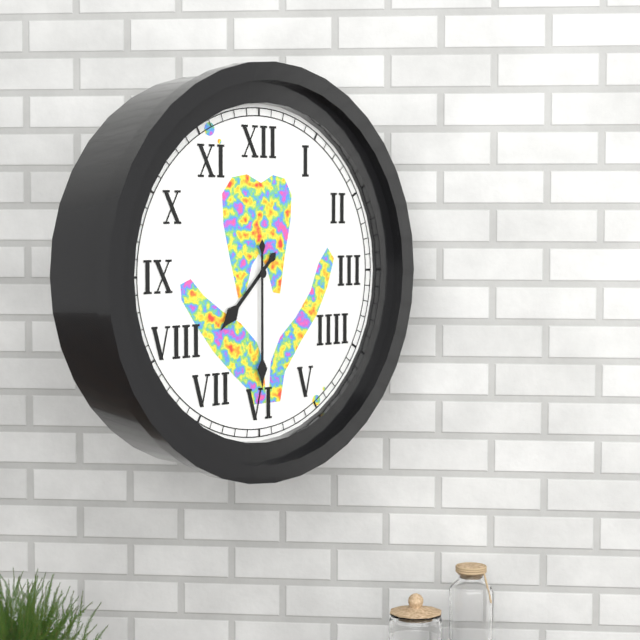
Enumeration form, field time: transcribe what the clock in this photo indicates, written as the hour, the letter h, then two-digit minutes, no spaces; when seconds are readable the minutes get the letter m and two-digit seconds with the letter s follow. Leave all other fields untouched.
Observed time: 7h30
